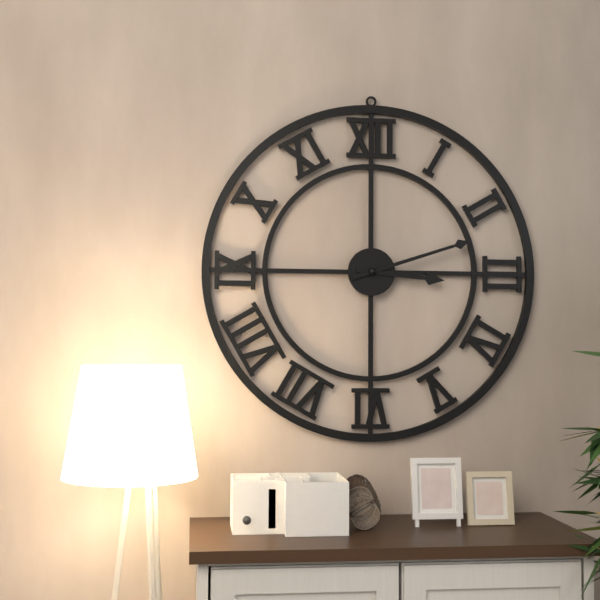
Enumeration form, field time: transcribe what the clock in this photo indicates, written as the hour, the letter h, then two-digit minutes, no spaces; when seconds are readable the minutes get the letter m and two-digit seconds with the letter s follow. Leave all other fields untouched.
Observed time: 3h12
